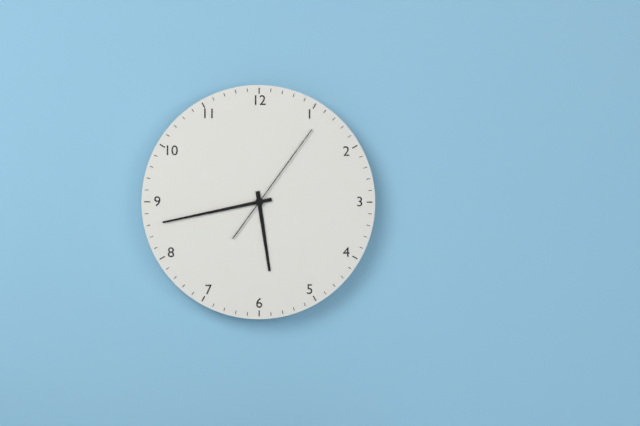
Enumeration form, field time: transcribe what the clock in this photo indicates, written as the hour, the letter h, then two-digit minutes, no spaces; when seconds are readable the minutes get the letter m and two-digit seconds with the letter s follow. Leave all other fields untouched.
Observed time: 5h43m06s
